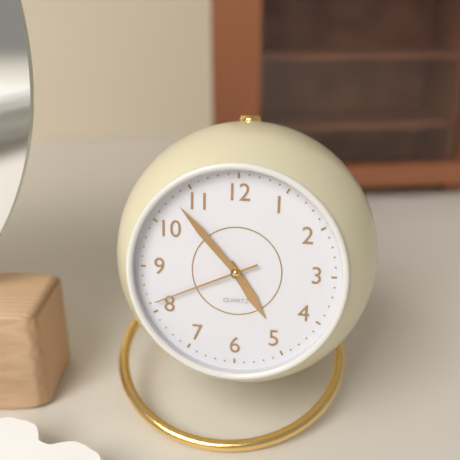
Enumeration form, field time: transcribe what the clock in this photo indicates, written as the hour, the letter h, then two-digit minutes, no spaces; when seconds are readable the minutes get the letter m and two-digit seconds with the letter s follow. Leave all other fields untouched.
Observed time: 4h53m41s
